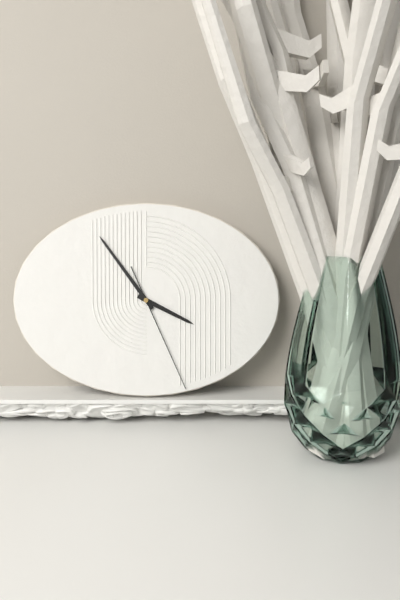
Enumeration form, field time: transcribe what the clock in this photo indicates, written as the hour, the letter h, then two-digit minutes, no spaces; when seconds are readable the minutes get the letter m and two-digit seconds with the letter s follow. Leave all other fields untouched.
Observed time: 3h54m26s
